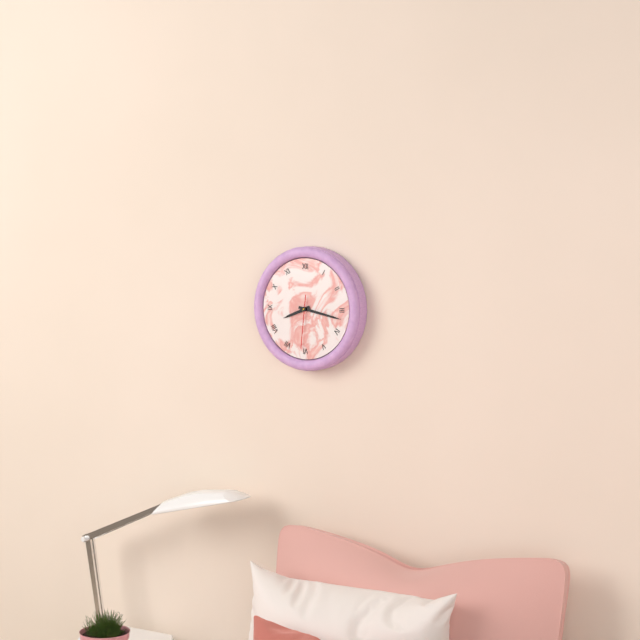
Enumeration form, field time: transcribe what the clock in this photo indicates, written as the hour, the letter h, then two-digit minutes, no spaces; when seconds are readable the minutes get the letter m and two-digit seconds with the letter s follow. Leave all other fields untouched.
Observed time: 8h17
